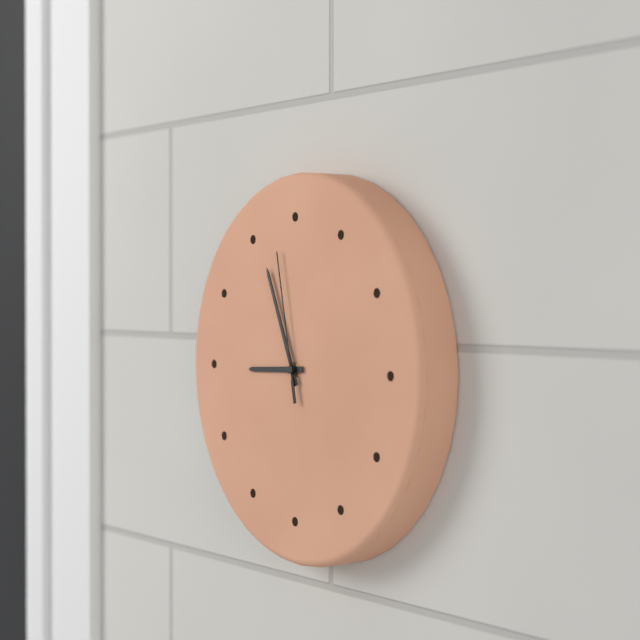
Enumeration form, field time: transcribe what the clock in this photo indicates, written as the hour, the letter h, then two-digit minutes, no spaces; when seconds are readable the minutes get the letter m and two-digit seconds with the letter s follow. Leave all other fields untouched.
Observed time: 8h56m58s
